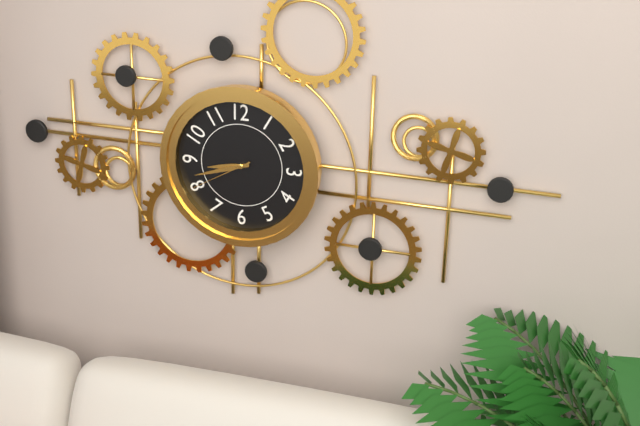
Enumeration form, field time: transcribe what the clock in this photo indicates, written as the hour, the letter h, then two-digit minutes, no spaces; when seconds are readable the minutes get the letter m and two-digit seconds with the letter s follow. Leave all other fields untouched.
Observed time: 8h42m40s
